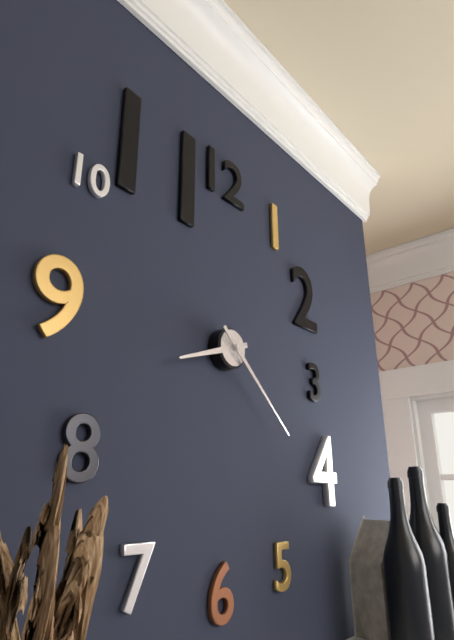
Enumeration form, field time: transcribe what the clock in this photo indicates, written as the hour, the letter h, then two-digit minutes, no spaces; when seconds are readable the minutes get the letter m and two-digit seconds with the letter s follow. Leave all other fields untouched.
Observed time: 8h22
